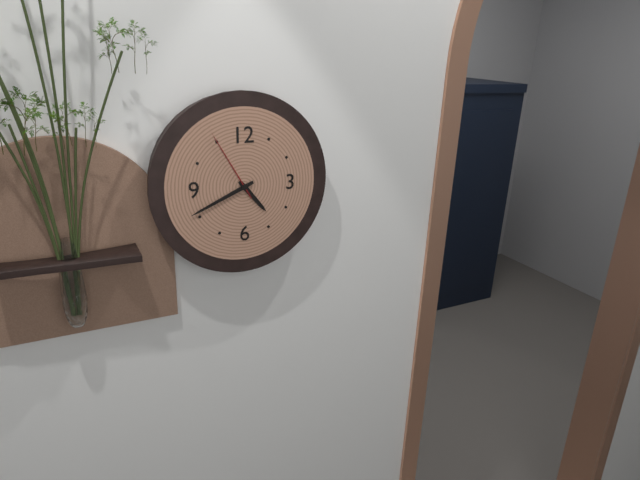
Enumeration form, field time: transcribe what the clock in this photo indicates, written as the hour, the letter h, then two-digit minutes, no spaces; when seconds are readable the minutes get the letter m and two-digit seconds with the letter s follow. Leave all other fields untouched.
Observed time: 4h41m55s
